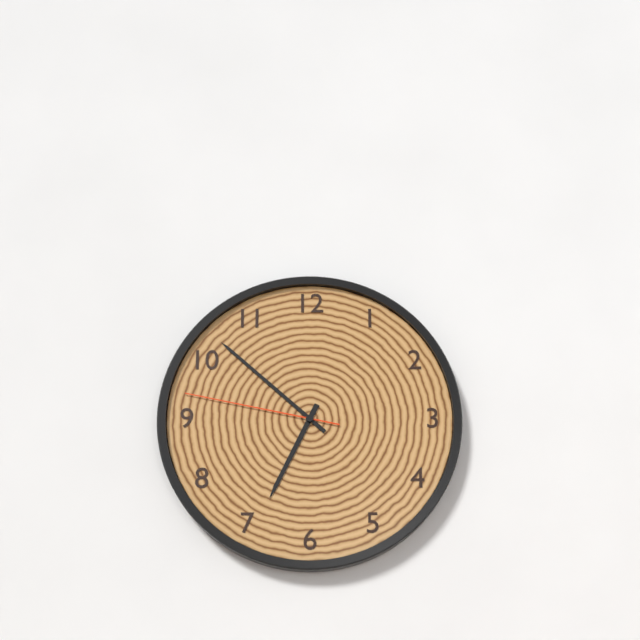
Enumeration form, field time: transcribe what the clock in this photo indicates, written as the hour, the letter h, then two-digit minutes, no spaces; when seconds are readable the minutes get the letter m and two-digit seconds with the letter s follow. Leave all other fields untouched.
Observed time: 6h52m47s
